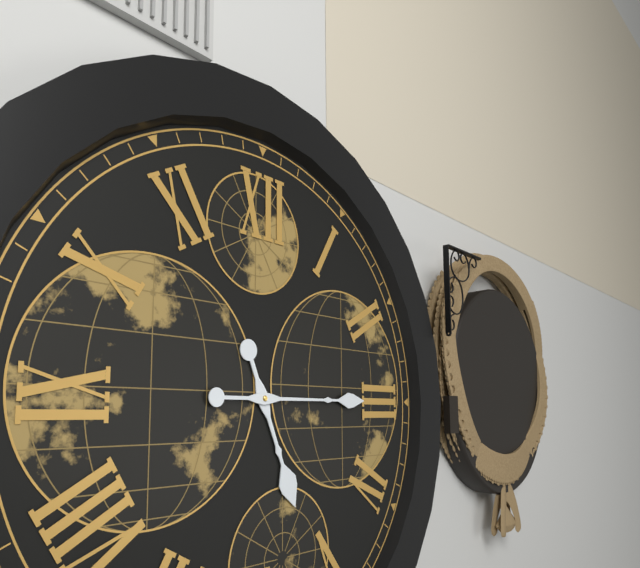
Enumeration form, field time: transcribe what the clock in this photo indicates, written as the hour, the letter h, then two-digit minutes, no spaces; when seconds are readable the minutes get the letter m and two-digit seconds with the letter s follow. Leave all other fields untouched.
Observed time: 5h15
